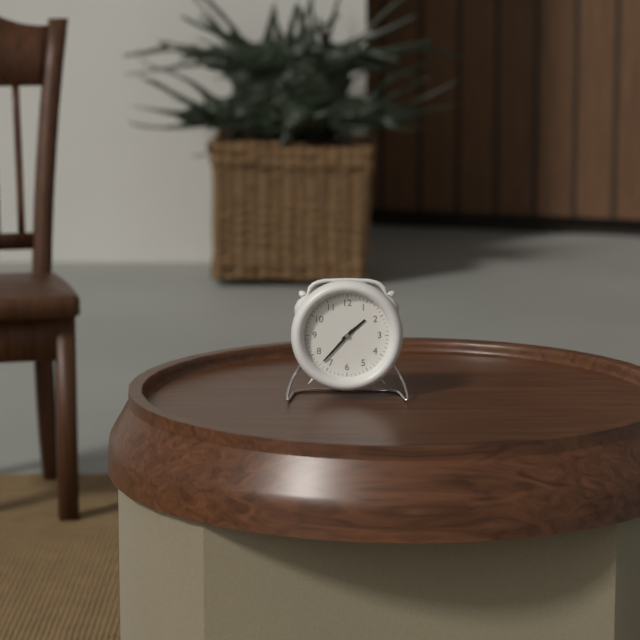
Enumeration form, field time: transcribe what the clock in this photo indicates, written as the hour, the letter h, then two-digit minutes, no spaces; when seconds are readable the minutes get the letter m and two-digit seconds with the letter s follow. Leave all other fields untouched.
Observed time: 1h37
